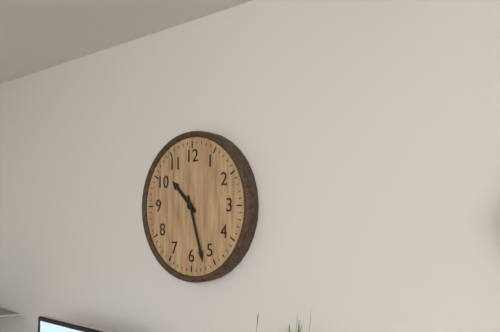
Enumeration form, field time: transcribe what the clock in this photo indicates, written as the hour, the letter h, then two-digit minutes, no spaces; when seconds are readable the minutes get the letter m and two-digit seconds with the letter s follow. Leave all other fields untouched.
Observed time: 10h27
